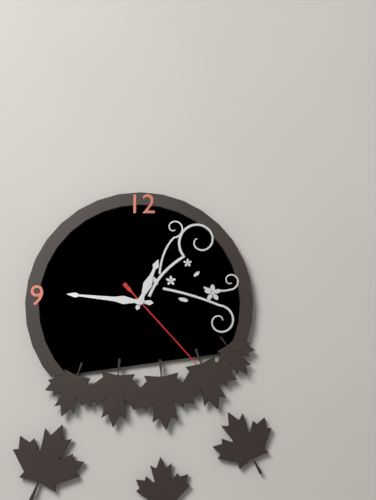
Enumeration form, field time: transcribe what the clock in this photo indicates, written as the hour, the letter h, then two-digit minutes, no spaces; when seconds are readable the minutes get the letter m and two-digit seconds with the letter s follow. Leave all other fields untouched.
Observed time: 12h46m23s
